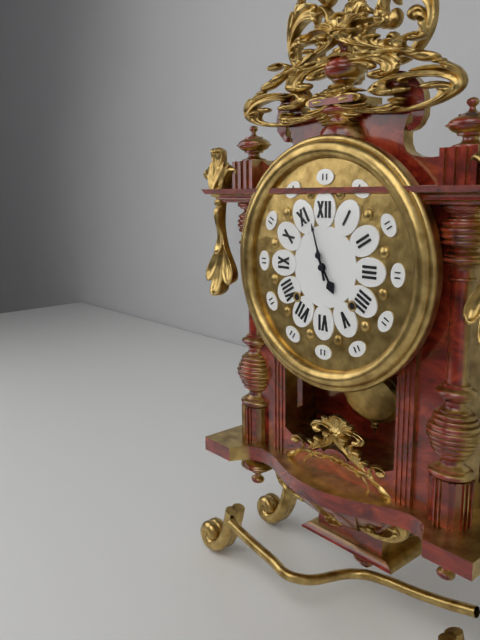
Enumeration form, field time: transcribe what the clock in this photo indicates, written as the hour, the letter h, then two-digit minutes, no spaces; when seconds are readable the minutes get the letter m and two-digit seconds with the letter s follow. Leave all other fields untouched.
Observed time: 4h57
